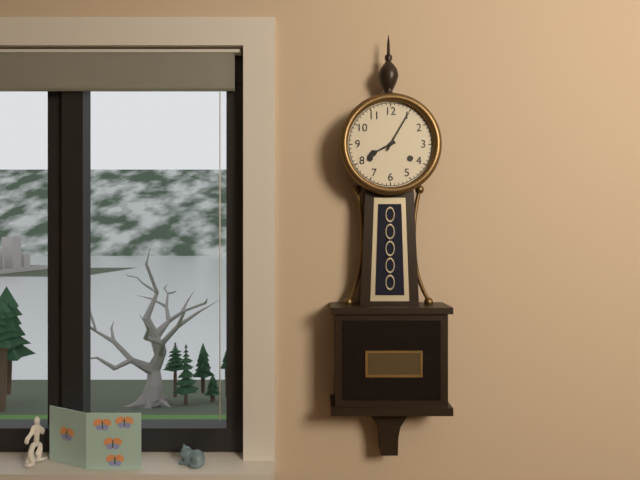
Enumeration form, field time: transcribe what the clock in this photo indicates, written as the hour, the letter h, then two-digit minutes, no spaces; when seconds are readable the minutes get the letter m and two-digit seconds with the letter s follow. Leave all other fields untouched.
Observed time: 8h05
